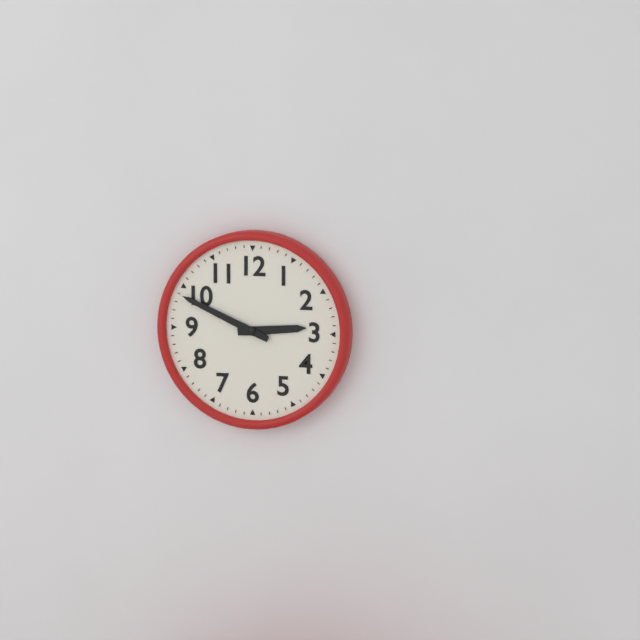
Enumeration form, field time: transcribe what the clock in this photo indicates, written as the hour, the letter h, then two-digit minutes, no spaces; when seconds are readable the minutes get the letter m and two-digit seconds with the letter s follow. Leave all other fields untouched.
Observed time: 2h49
